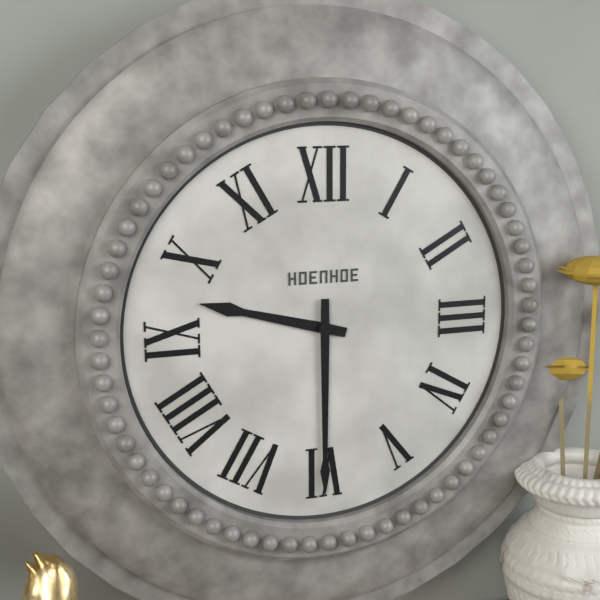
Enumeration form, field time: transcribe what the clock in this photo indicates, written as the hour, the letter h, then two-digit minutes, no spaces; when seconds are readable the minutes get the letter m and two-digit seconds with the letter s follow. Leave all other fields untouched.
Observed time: 9h30
